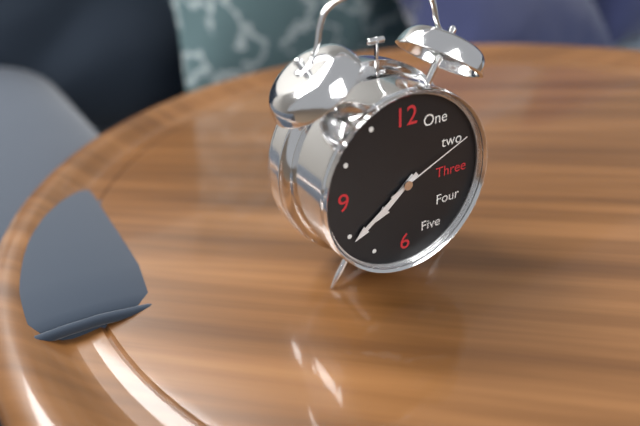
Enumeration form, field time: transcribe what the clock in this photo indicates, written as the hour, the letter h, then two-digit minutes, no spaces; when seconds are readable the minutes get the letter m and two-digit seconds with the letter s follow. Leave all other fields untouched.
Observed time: 7h39m11s
